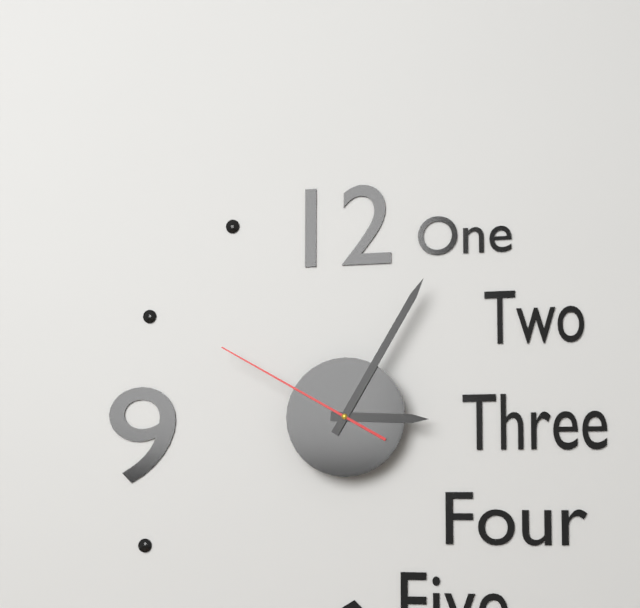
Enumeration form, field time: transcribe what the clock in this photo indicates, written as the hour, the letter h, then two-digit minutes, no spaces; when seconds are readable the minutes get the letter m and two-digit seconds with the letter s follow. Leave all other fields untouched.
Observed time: 3h05m50s
